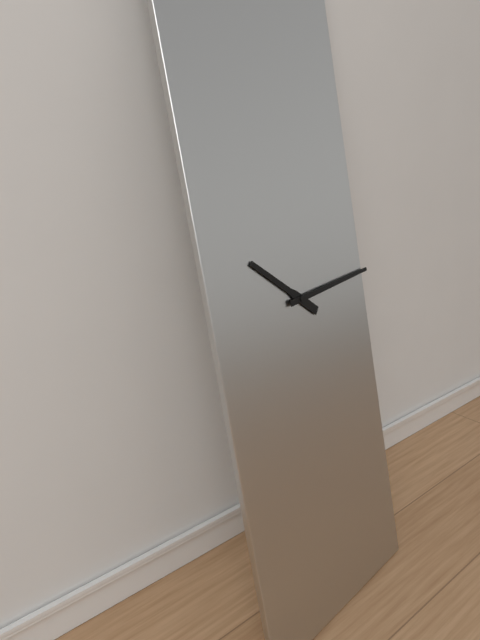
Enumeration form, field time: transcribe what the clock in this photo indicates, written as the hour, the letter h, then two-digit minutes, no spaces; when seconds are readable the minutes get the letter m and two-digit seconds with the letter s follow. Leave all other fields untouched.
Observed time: 10h14
